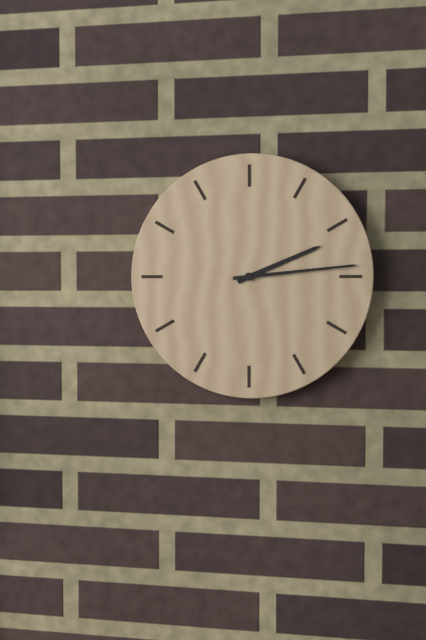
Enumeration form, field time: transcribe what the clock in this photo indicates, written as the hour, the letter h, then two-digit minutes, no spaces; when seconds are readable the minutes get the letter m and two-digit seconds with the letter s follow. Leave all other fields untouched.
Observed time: 2h14
